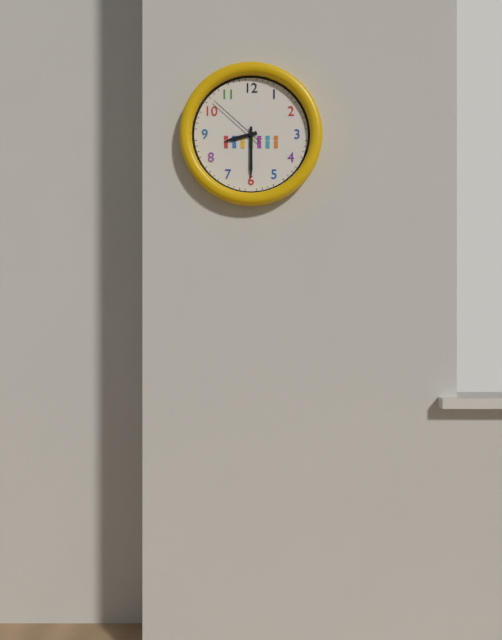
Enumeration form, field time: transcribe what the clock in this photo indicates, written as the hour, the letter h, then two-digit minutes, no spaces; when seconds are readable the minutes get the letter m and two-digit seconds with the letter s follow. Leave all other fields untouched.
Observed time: 8h30m52s
